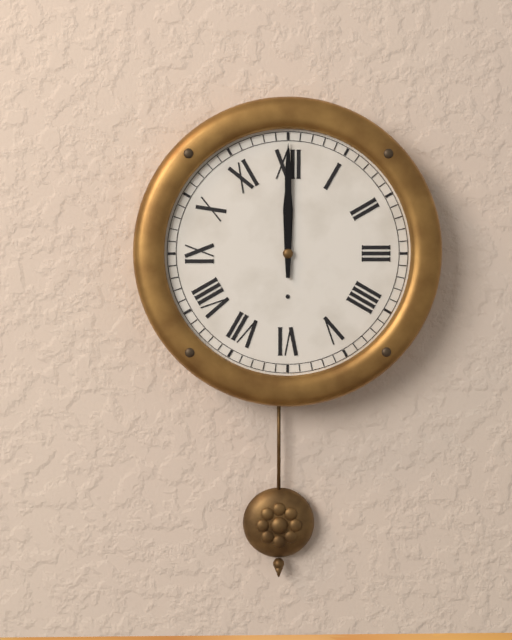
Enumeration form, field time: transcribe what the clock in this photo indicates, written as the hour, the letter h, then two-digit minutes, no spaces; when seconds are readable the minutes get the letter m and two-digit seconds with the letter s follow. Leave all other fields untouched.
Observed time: 12h00
